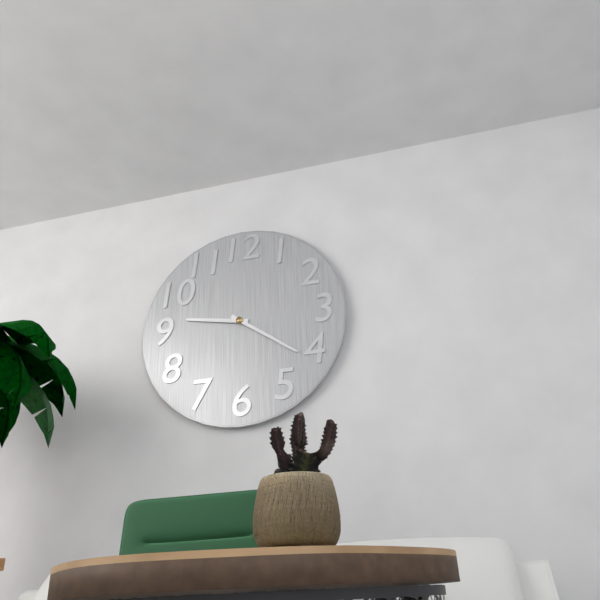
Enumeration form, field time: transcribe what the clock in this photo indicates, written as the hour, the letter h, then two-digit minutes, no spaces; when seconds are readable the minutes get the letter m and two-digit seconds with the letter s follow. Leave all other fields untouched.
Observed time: 9h21
